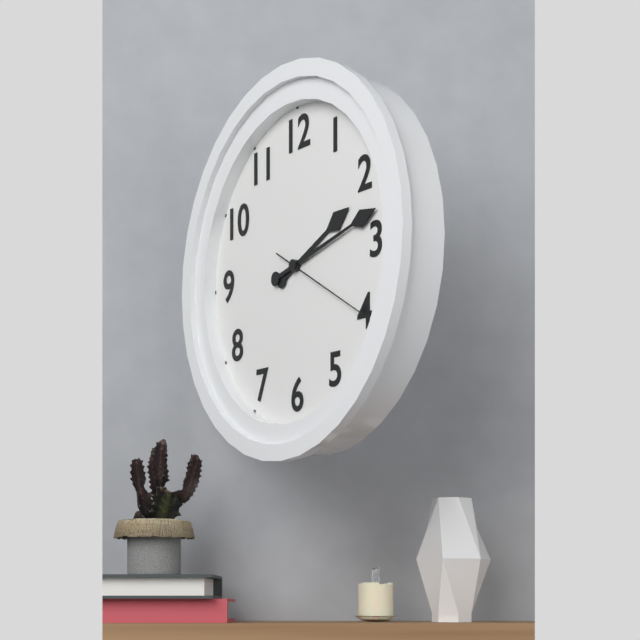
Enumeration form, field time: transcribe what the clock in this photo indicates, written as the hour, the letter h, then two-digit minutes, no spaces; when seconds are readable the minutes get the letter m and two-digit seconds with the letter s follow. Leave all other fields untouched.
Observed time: 2h13m20s
